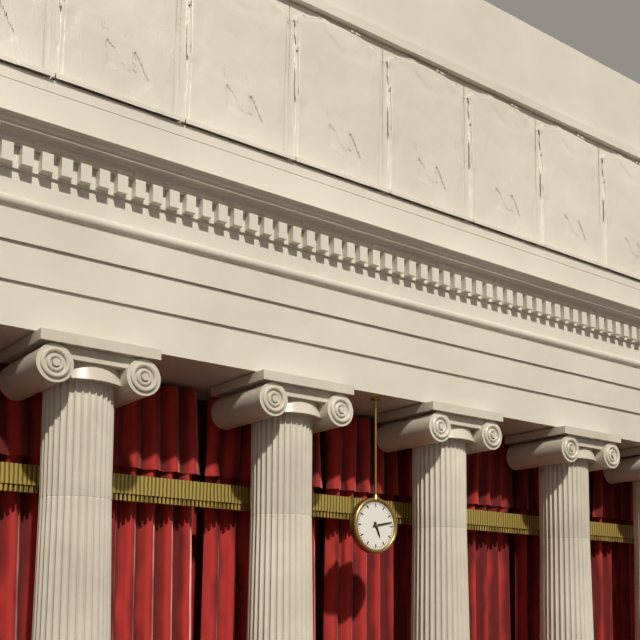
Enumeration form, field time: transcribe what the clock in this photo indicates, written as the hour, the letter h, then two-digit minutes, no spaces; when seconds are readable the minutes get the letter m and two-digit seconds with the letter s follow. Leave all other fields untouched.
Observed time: 5h13
